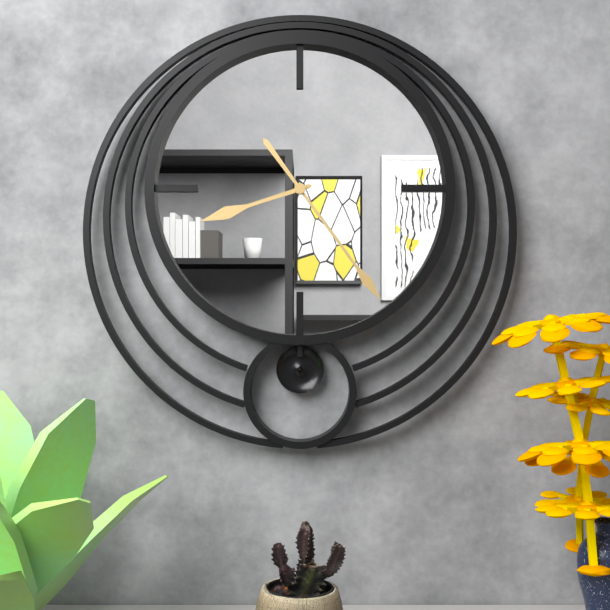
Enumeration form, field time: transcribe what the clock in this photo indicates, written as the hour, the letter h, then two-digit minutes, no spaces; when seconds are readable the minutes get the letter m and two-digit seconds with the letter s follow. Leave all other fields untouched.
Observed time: 8h24
